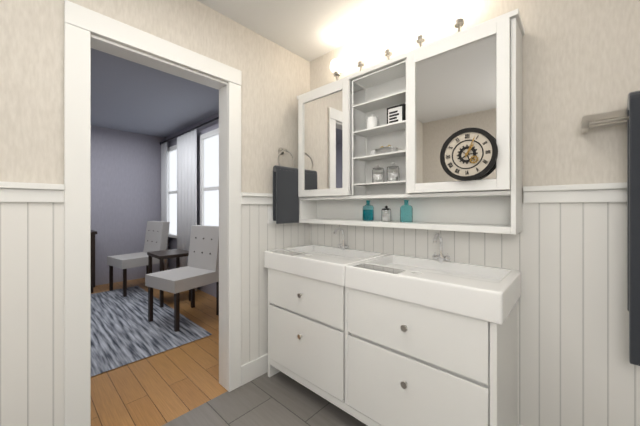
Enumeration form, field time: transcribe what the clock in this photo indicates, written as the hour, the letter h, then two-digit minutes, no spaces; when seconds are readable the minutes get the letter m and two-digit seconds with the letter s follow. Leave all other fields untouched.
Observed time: 1h04
